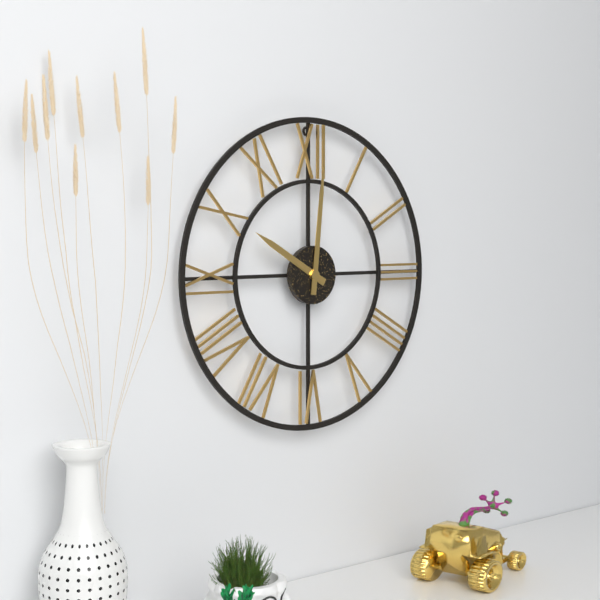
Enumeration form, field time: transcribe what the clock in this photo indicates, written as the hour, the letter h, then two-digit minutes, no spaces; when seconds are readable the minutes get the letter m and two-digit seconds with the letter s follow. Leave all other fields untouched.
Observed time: 10h01
